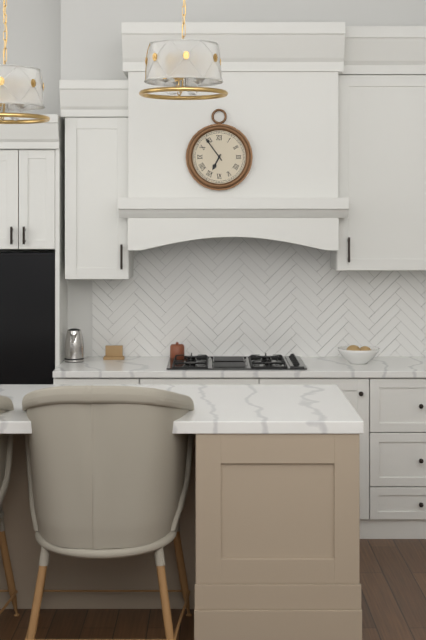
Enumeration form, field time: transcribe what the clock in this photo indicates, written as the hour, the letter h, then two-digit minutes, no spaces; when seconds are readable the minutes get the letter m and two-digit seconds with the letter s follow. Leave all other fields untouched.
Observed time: 6h54
